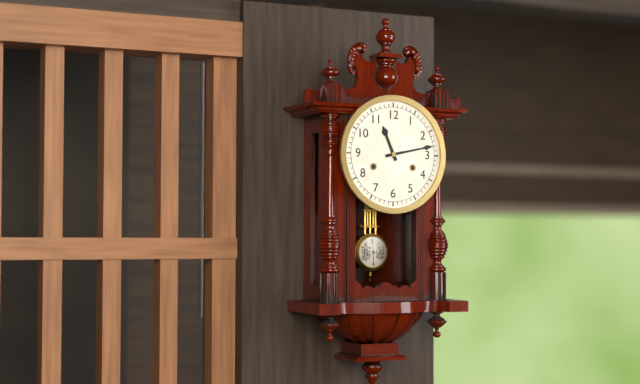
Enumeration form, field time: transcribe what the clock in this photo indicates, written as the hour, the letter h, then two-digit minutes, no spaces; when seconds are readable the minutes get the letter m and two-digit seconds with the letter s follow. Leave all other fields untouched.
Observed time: 11h13
